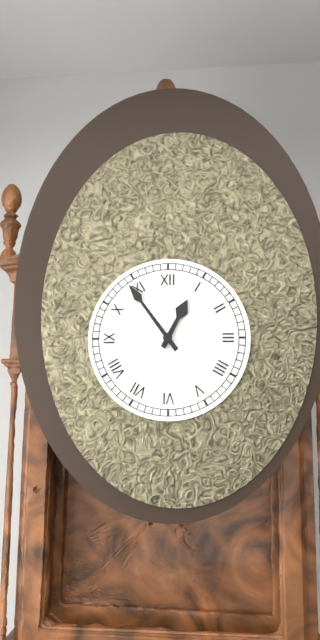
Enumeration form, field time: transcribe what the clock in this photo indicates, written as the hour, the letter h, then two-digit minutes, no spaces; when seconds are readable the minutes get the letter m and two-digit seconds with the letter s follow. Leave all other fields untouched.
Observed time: 12h54
